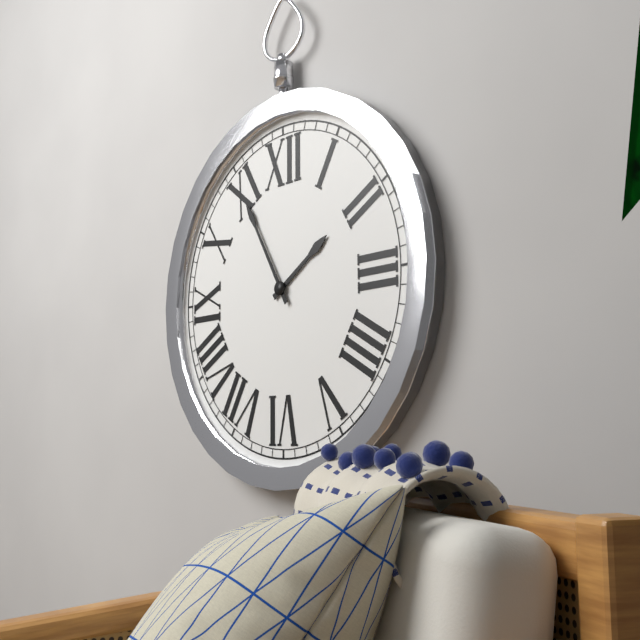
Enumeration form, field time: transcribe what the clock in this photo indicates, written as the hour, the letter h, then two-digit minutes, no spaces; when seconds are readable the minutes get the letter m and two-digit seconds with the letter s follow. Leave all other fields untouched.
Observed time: 1h55
